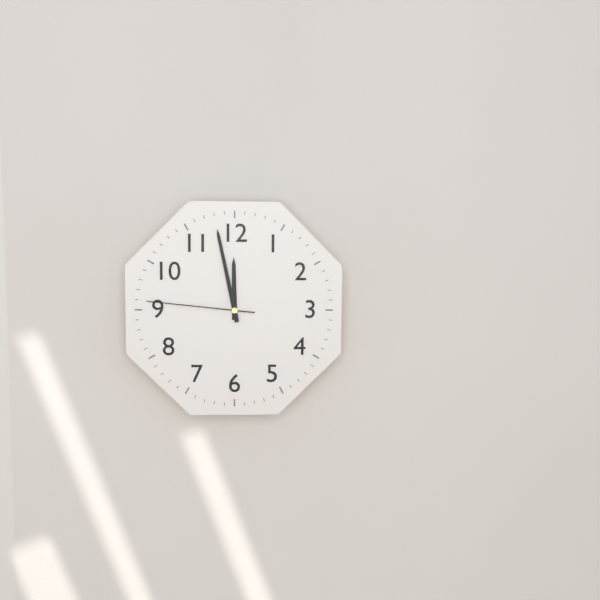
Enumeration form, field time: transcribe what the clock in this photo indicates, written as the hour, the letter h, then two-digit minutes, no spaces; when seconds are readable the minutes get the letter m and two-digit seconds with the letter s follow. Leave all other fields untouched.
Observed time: 11h58m46s
